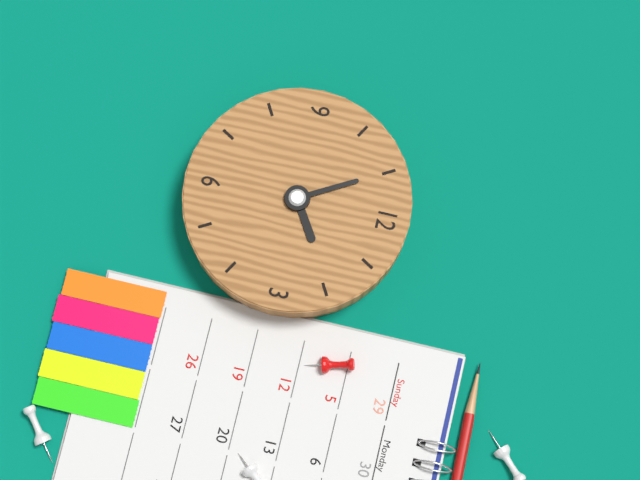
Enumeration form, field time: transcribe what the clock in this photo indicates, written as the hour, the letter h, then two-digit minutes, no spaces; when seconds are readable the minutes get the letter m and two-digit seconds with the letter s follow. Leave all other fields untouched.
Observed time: 1h55
